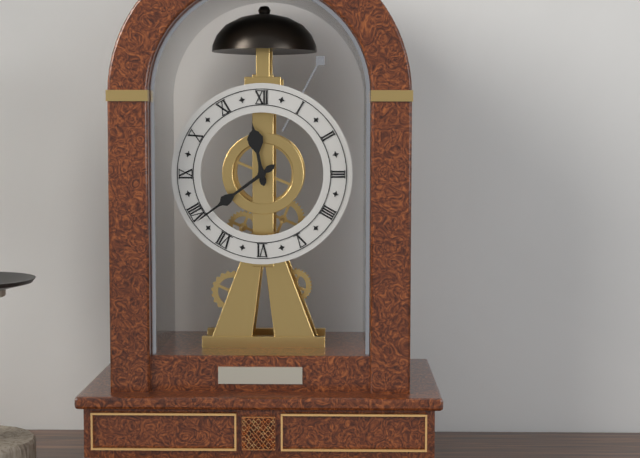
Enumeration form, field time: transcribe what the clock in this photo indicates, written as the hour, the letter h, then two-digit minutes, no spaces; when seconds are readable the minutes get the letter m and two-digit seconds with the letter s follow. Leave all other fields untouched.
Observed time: 11h39
